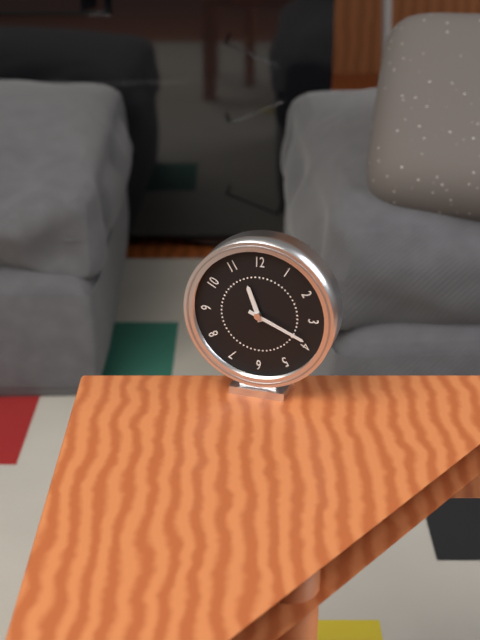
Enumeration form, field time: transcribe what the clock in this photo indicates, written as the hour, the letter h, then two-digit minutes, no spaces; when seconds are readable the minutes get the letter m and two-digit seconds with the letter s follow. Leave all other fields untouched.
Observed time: 11h19
